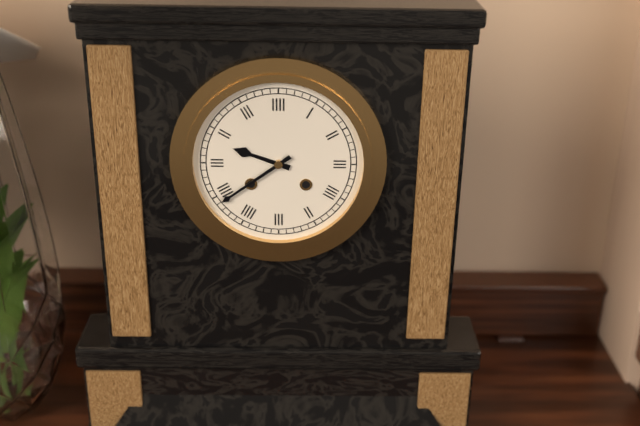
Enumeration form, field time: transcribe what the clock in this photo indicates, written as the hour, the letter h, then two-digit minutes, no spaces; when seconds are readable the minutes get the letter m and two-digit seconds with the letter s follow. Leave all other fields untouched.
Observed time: 9h39
